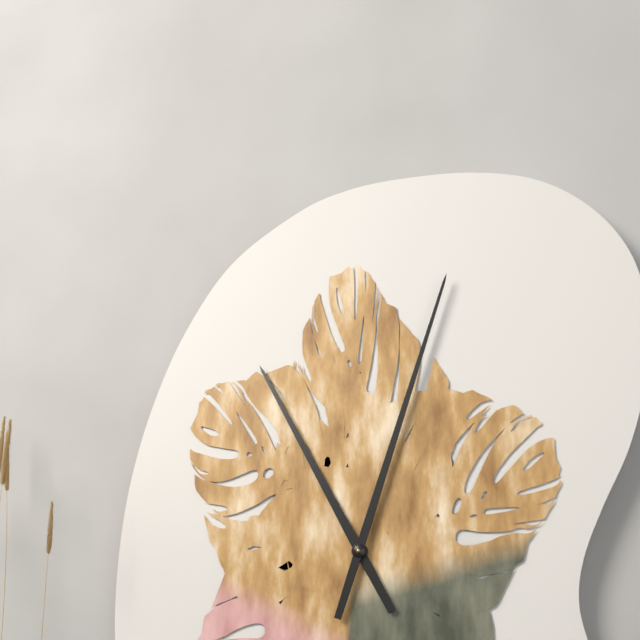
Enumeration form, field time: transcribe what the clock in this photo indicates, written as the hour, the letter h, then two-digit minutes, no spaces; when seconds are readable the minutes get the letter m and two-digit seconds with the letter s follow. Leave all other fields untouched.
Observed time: 11h03
